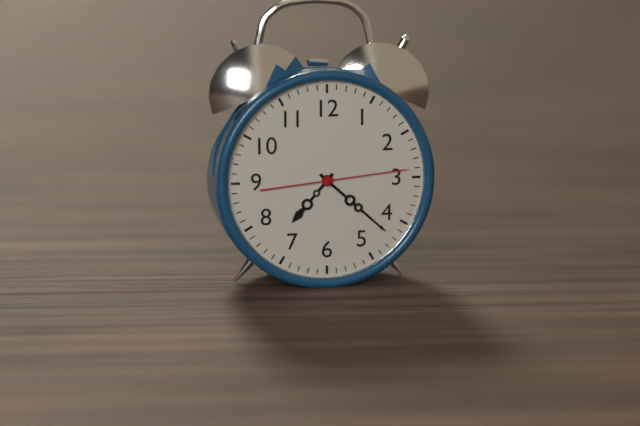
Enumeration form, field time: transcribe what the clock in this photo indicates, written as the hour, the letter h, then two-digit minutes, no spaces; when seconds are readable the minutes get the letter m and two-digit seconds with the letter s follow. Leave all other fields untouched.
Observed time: 7h22m14s
